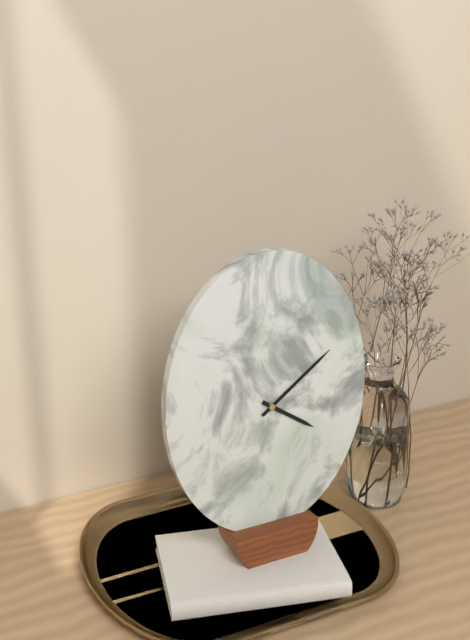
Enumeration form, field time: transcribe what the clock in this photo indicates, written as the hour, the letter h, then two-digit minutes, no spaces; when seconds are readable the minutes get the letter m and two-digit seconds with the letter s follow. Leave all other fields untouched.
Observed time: 4h09
